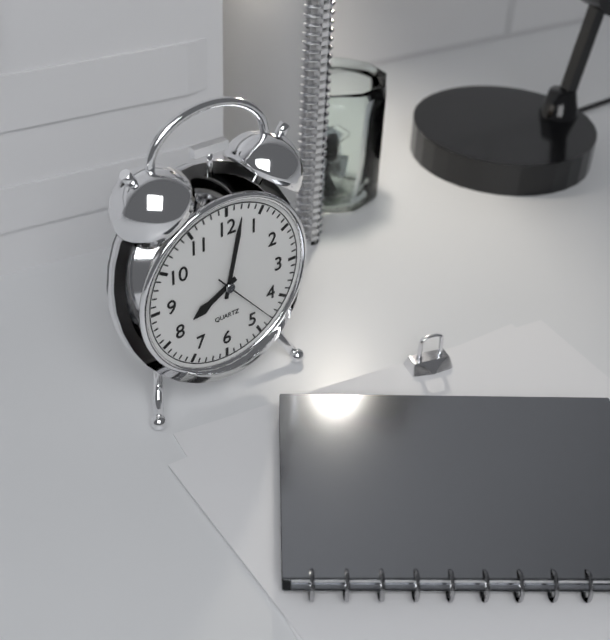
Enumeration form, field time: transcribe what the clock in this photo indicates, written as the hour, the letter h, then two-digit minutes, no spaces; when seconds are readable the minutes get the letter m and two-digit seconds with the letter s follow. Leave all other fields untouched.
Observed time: 8h02m23s
